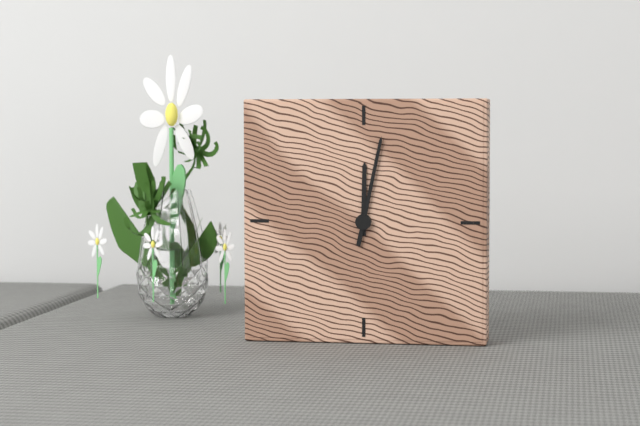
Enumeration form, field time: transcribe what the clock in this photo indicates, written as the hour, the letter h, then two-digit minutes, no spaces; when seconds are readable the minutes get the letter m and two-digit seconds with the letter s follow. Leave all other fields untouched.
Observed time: 12h02
